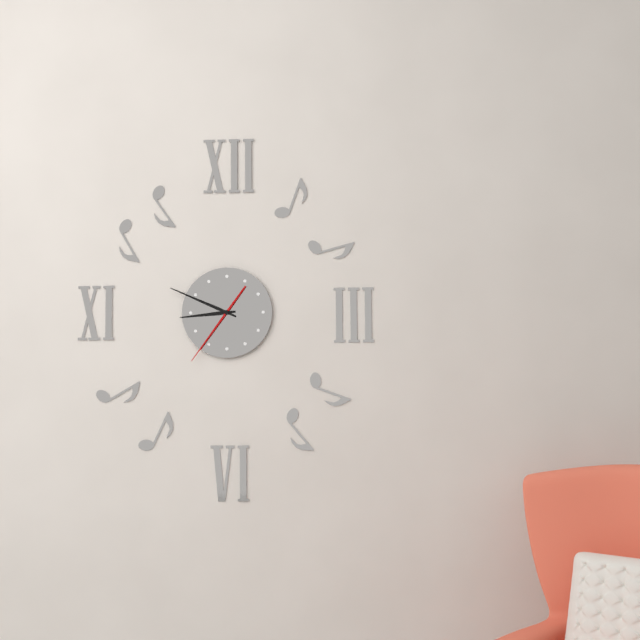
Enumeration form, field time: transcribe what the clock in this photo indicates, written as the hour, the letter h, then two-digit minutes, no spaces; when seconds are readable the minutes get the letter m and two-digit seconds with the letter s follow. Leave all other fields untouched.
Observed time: 8h49m36s
